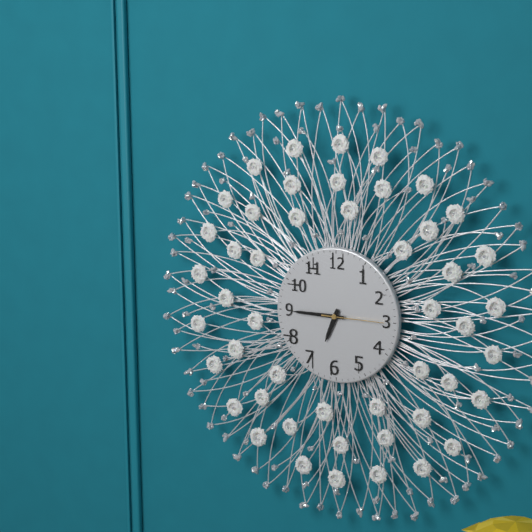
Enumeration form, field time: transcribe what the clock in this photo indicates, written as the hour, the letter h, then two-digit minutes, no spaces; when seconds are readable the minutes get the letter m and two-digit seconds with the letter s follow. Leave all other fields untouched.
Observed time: 6h45m15s
